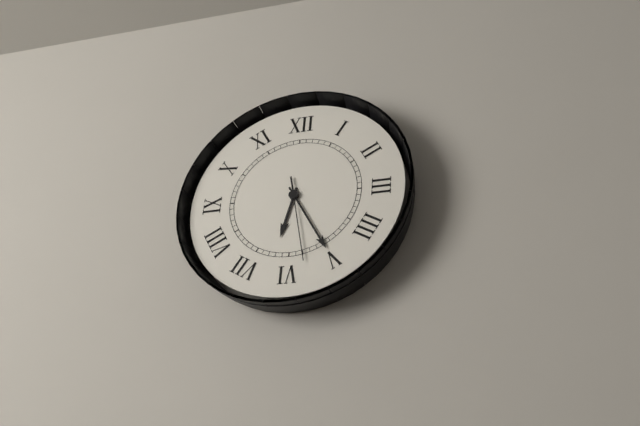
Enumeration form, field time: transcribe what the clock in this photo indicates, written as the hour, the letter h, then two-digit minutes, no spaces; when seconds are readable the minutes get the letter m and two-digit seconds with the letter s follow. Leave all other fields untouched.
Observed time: 6h25m28s
